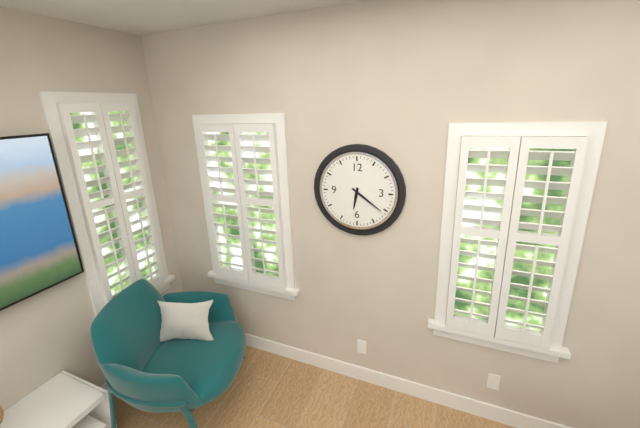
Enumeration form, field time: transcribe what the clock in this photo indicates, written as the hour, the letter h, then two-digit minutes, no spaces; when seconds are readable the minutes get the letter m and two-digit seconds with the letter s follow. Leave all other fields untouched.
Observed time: 6h21
